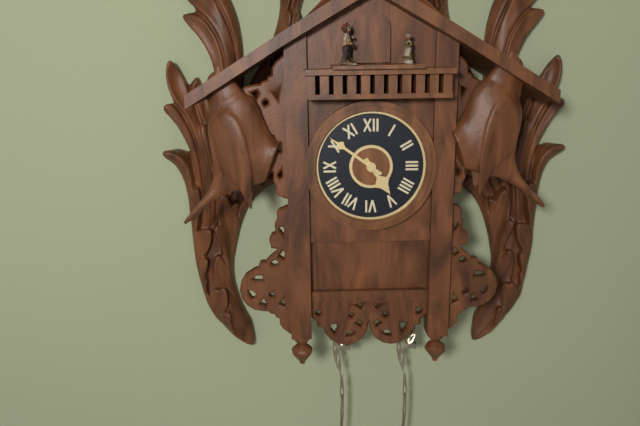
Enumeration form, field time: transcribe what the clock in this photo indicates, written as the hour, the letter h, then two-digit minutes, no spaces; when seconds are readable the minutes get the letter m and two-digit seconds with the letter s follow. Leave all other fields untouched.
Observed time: 4h51
